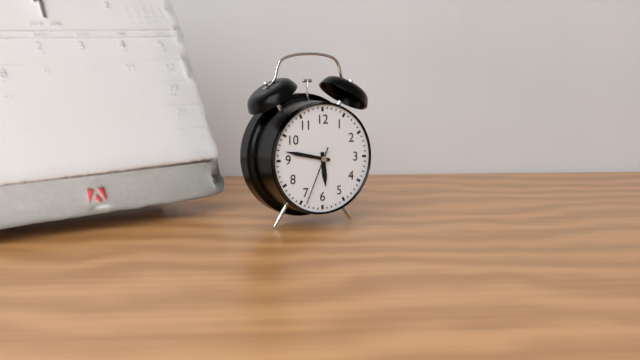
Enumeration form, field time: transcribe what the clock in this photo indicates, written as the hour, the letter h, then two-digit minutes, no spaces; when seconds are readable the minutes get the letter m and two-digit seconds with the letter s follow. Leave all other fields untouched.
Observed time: 5h47m34s
